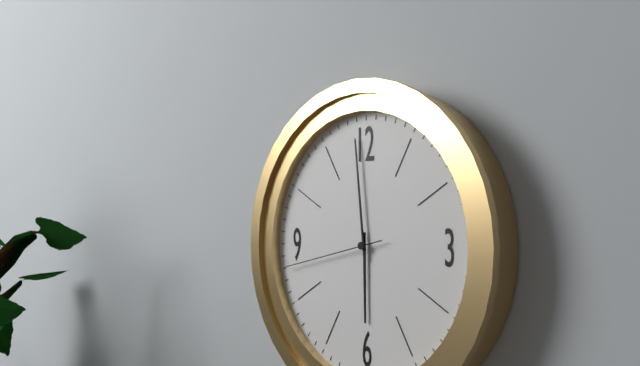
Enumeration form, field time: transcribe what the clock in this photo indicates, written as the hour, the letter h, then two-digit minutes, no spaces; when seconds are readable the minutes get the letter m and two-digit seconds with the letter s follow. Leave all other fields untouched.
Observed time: 5h59m43s
